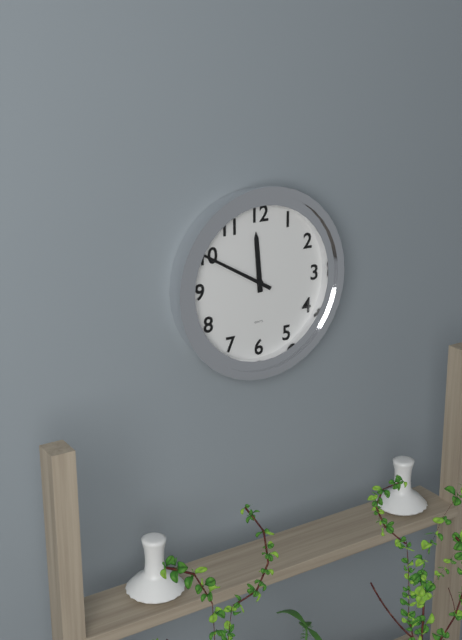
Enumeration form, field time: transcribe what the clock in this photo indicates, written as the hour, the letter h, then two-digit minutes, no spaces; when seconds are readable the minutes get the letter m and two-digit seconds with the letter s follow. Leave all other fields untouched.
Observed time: 11h50
